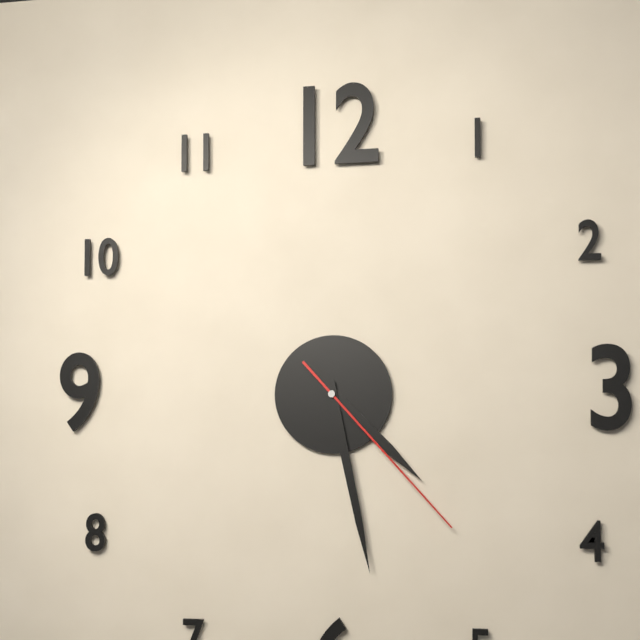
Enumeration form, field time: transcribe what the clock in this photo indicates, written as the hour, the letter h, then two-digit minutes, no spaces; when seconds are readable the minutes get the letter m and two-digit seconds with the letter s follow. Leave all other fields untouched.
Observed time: 4h28m23s
